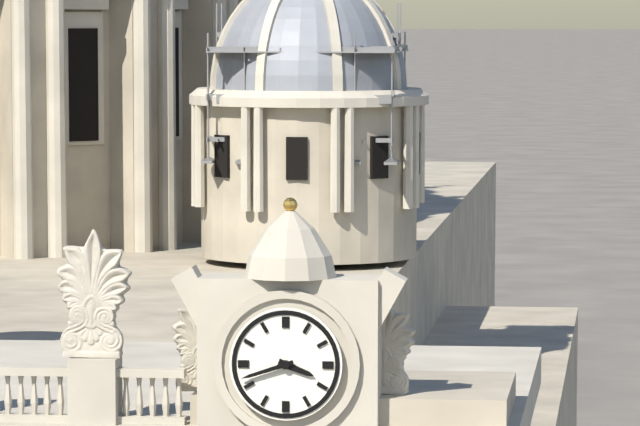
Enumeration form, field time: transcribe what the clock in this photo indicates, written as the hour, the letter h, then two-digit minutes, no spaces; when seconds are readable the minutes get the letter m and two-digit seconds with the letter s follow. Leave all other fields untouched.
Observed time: 3h42
